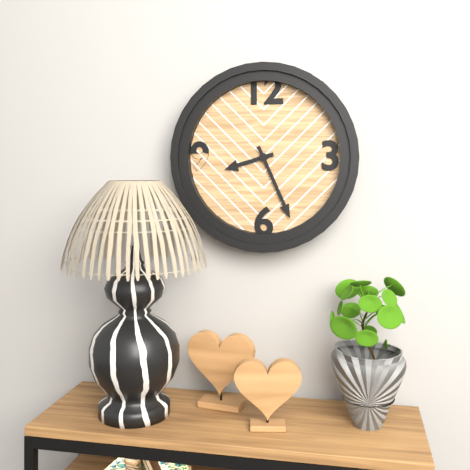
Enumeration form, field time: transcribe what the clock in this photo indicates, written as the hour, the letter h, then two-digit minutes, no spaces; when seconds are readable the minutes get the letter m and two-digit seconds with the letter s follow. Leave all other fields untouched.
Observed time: 8h26
